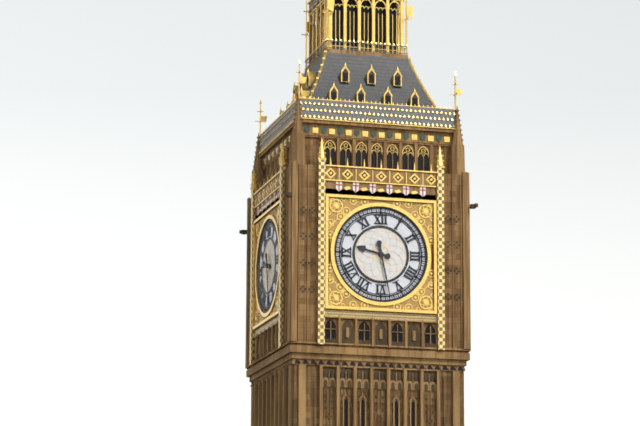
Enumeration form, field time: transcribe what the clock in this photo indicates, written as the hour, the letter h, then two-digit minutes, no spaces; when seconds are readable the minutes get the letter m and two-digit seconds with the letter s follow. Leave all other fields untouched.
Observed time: 9h28
